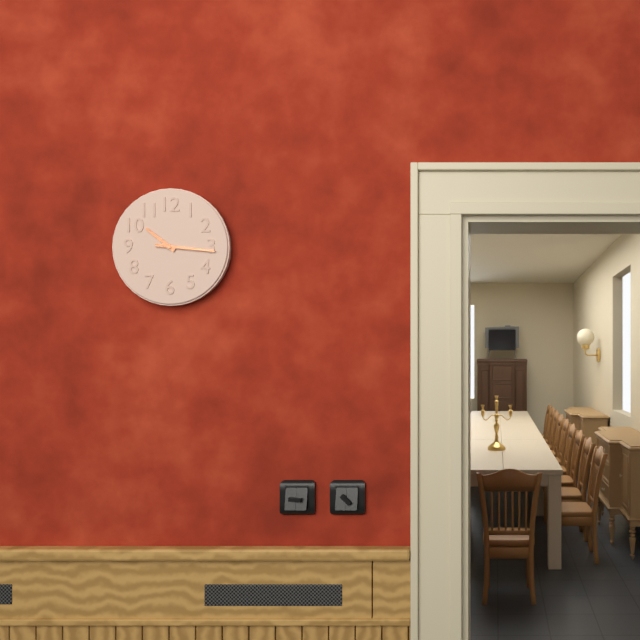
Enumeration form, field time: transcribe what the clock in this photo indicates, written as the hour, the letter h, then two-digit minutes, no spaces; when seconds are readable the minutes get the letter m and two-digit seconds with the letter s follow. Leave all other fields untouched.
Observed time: 10h16
